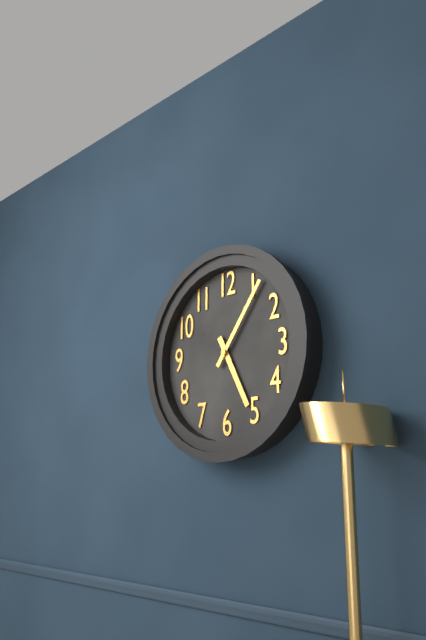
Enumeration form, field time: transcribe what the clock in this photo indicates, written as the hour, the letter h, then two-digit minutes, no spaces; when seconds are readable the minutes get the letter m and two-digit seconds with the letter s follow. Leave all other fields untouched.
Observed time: 5h06
